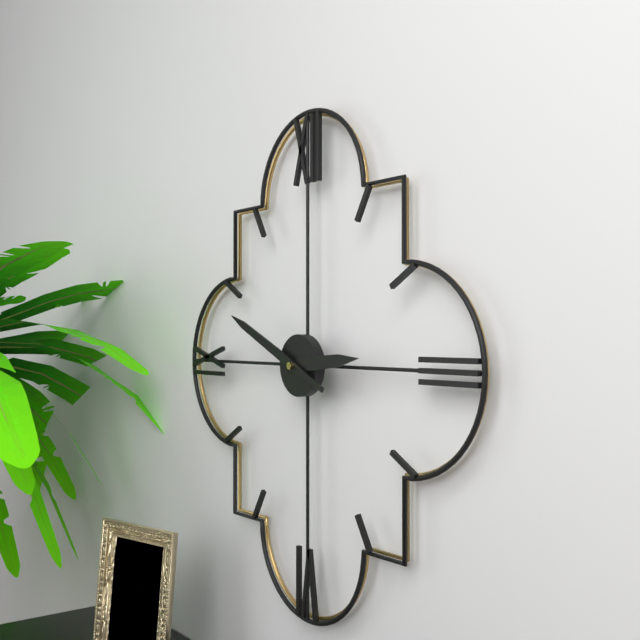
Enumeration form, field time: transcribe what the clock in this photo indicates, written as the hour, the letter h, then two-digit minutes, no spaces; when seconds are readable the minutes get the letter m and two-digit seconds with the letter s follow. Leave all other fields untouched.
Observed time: 2h49
